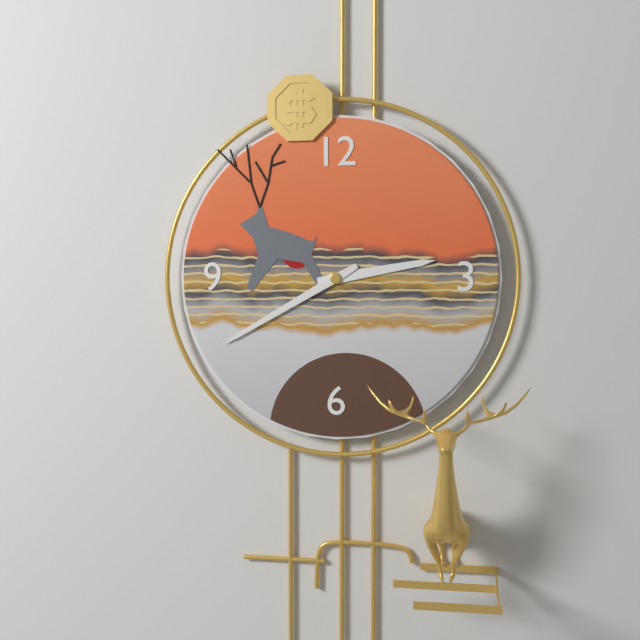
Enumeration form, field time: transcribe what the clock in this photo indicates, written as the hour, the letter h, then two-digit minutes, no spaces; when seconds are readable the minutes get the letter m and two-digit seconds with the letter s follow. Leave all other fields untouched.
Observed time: 2h40
